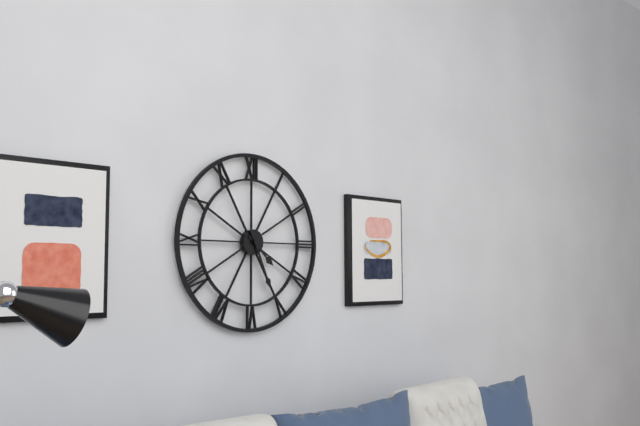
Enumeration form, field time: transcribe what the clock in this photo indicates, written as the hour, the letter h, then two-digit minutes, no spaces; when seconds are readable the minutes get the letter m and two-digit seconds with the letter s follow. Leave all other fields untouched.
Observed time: 4h26
